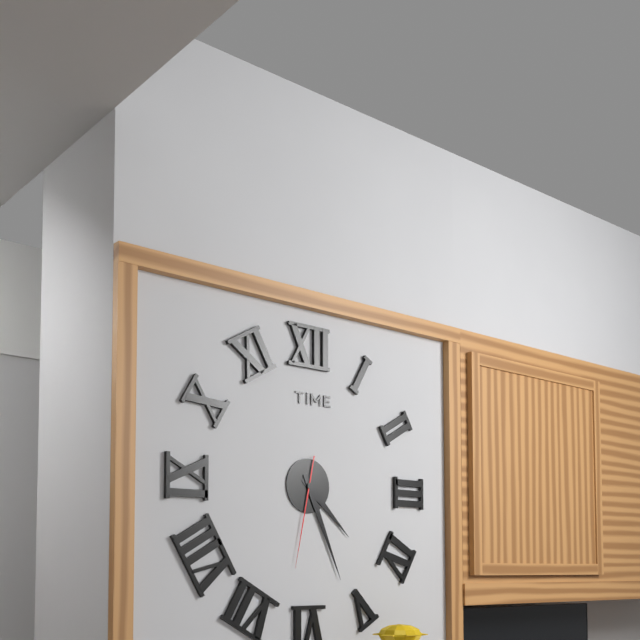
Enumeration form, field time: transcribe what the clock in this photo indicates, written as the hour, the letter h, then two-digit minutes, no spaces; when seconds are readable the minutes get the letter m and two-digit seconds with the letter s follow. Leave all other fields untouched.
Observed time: 4h26m32s
